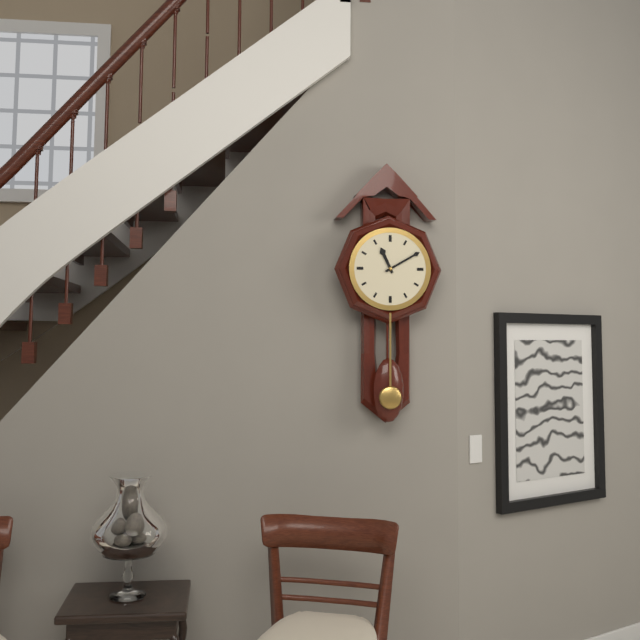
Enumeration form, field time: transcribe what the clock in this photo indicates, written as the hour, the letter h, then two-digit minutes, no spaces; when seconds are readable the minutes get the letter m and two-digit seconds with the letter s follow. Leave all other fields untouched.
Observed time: 11h10
